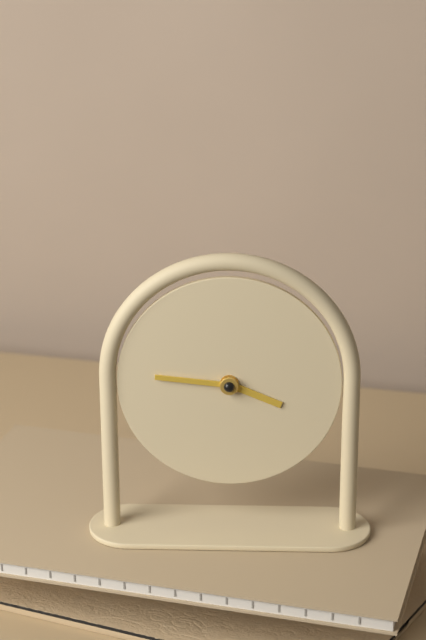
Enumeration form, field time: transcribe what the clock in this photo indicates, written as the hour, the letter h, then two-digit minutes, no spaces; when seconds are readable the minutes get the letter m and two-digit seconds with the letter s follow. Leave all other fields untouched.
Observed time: 3h46
